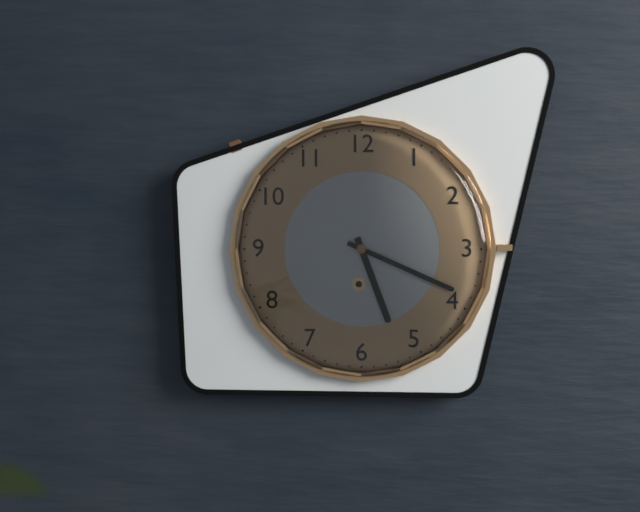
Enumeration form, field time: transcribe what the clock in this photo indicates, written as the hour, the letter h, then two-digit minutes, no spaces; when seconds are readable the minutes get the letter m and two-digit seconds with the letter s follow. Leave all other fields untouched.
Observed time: 5h19
